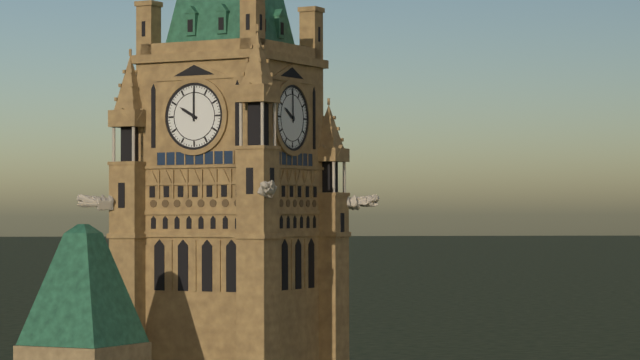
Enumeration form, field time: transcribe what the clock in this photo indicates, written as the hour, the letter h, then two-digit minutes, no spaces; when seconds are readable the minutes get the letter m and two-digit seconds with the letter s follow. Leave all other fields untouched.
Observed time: 10h00
